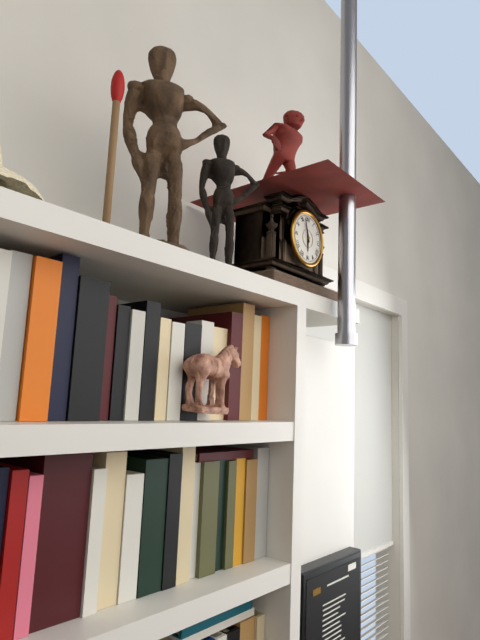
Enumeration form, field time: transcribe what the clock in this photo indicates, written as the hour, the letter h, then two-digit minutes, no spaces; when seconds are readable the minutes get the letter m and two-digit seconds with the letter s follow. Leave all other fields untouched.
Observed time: 5h57
